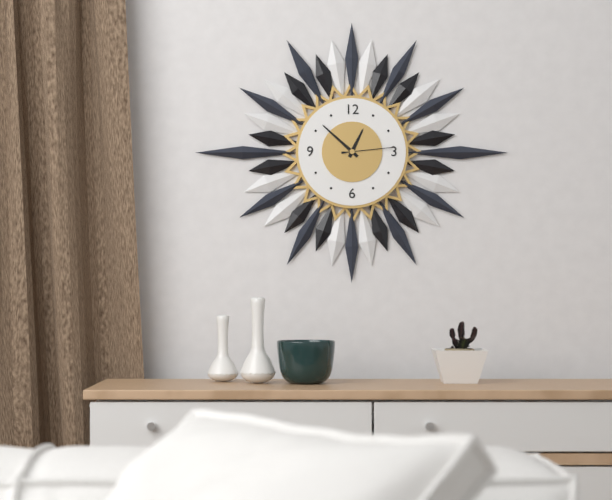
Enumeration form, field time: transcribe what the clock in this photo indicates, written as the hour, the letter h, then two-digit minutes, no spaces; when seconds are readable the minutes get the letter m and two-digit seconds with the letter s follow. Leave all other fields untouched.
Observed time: 12h52m14s
